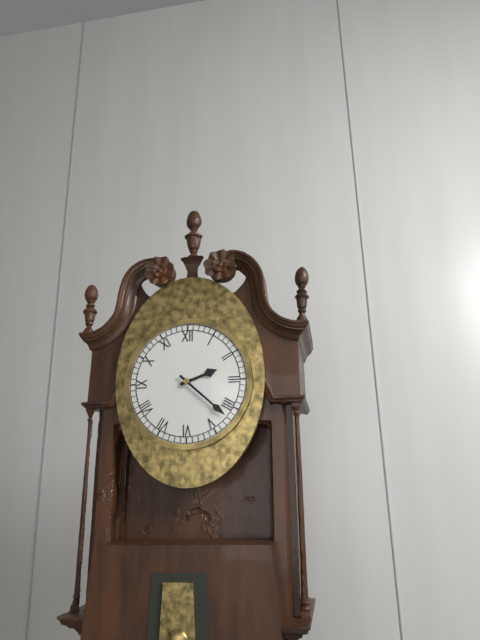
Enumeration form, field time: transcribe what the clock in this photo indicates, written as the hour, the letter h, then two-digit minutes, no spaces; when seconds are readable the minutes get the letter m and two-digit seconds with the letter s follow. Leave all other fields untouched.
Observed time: 2h22
